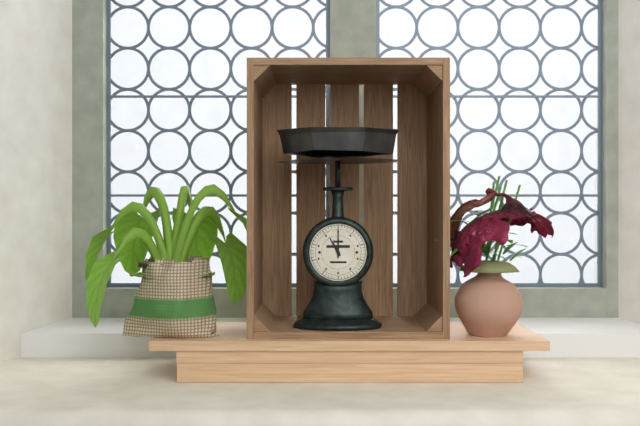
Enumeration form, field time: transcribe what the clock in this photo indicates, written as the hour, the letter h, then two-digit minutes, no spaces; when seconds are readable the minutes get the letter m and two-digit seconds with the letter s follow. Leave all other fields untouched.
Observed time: 11h00
